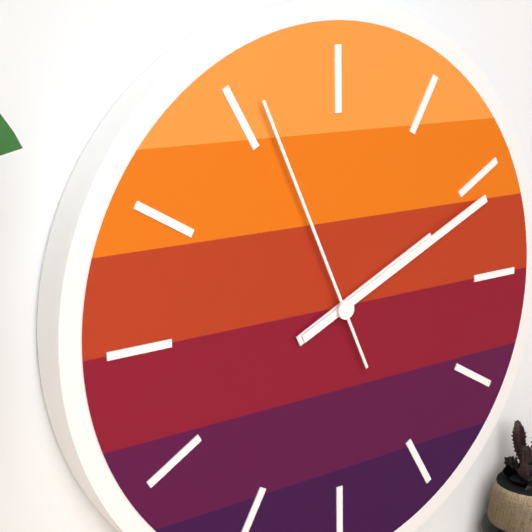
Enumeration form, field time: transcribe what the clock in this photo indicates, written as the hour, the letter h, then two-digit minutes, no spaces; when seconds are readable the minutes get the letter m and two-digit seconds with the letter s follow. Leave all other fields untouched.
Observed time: 2h11m56s
